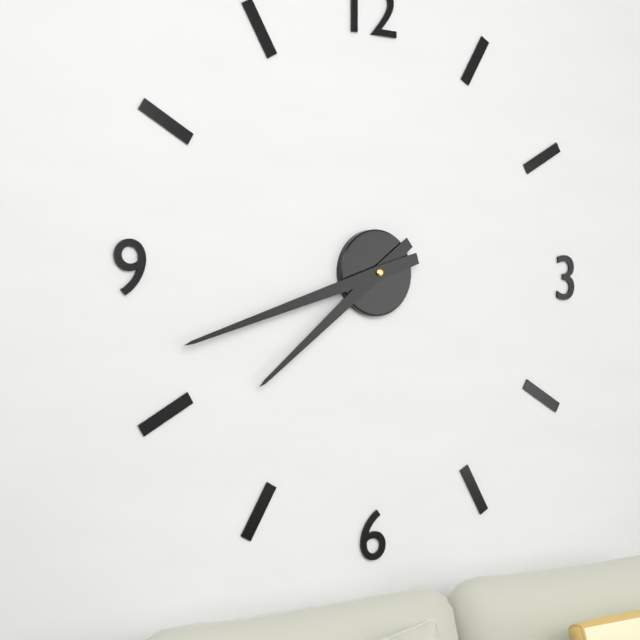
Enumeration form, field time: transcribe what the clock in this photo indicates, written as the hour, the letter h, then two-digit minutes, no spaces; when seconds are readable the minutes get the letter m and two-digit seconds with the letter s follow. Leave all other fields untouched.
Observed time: 7h42
